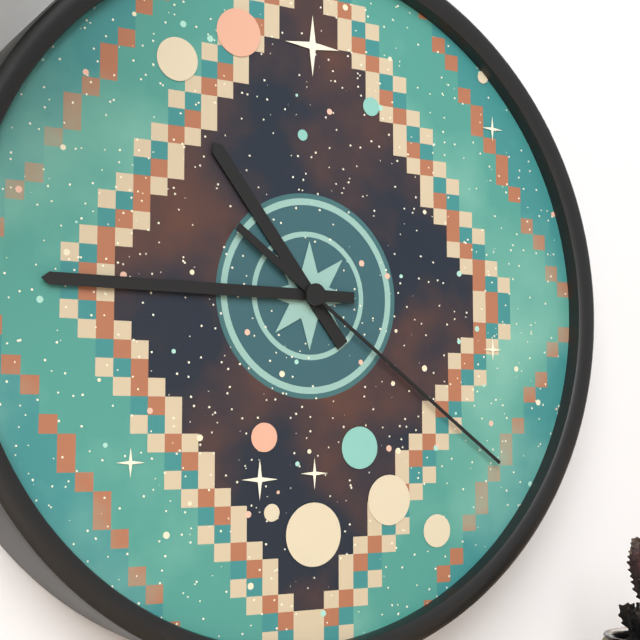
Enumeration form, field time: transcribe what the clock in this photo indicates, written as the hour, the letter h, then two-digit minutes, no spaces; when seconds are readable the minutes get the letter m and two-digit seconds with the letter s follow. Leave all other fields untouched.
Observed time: 10h45m21s
